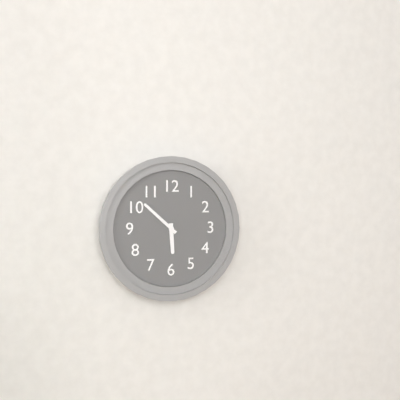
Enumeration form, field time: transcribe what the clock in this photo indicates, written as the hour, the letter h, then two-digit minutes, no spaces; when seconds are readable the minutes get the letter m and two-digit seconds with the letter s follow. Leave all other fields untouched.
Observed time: 5h52
